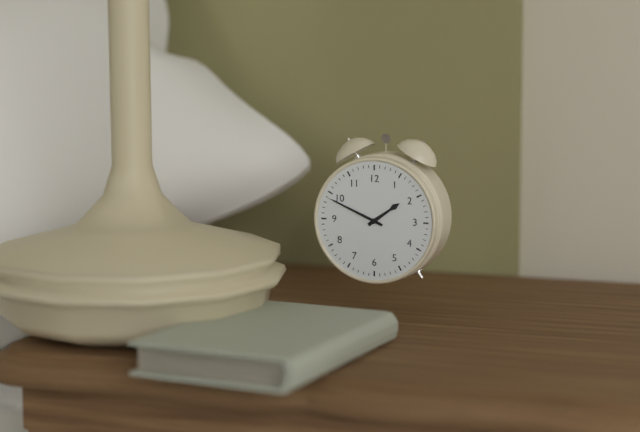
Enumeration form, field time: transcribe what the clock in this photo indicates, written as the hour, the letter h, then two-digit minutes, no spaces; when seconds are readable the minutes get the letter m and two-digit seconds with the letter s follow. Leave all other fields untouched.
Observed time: 1h49
